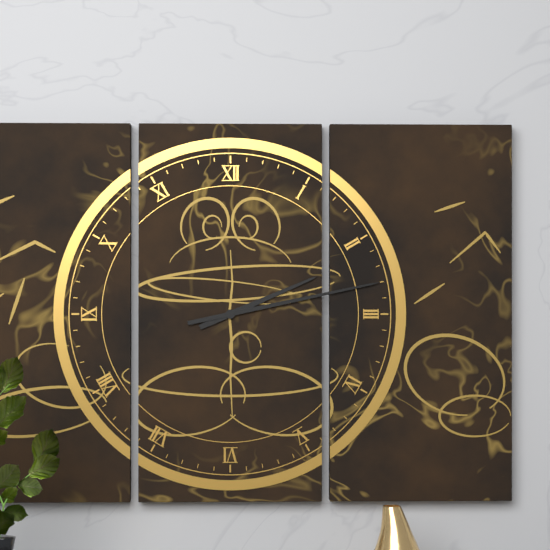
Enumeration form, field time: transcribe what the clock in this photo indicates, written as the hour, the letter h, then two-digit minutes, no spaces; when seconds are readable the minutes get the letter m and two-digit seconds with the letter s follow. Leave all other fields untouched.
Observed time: 2h13
